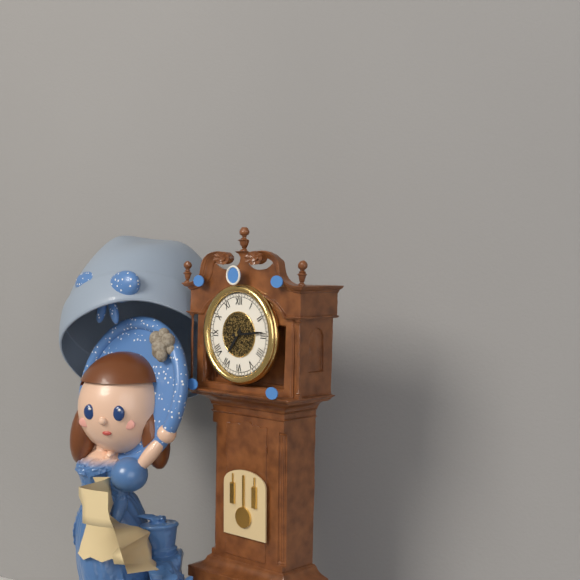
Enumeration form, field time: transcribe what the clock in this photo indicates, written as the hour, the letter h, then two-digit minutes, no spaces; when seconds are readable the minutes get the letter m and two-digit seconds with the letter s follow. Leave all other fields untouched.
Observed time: 7h14
